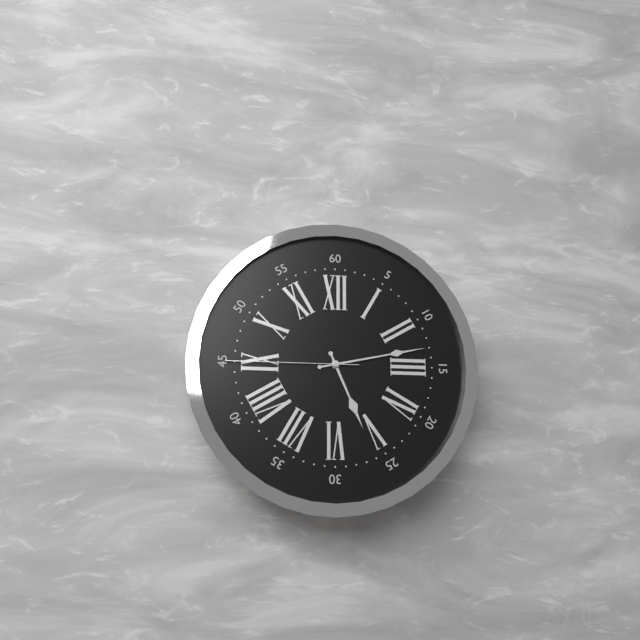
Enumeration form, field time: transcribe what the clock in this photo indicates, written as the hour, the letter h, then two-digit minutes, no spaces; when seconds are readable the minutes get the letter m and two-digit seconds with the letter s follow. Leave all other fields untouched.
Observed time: 5h13m45s
